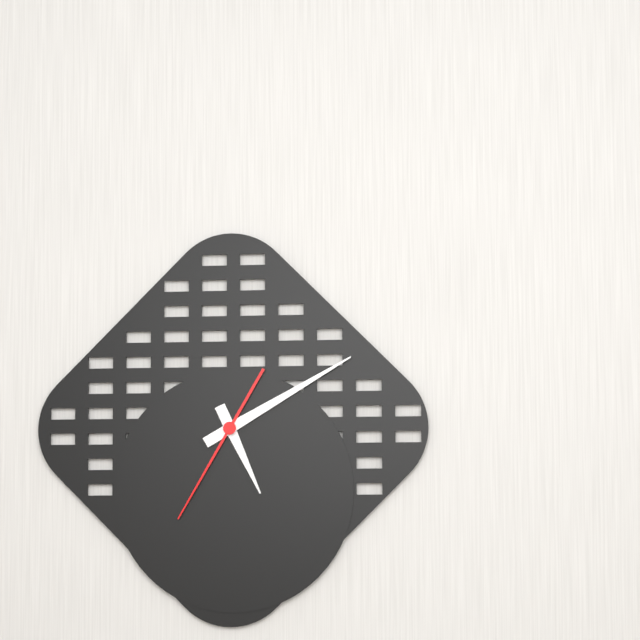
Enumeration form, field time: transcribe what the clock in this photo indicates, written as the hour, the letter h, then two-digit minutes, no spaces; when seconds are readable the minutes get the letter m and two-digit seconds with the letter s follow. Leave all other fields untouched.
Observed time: 5h10m35s
